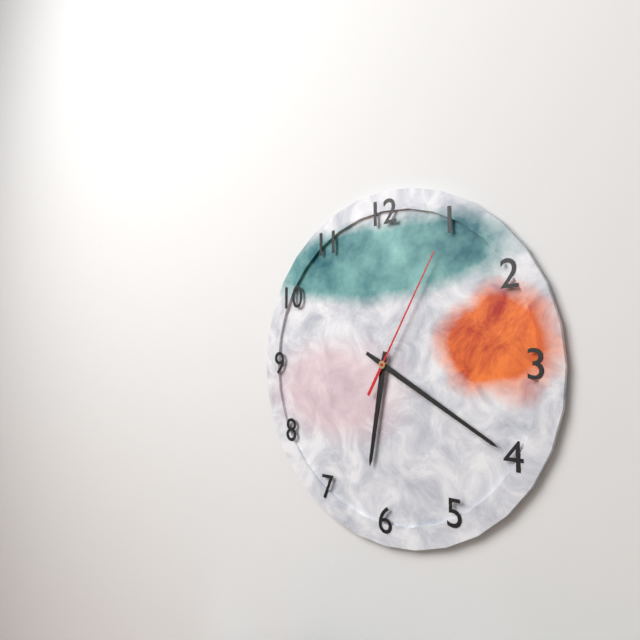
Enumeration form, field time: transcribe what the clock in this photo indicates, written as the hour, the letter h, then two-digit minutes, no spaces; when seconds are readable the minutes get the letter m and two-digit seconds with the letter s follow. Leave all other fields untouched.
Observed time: 6h20m05s
